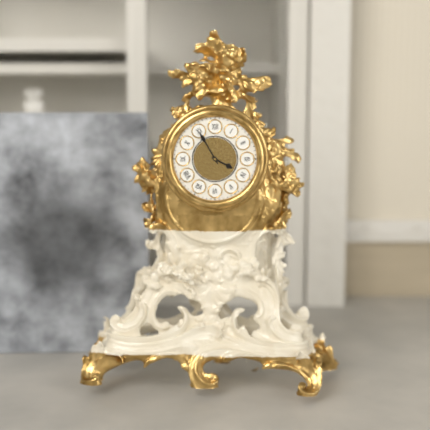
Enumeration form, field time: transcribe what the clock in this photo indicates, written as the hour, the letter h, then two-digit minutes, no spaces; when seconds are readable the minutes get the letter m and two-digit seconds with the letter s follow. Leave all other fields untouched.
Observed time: 3h55
